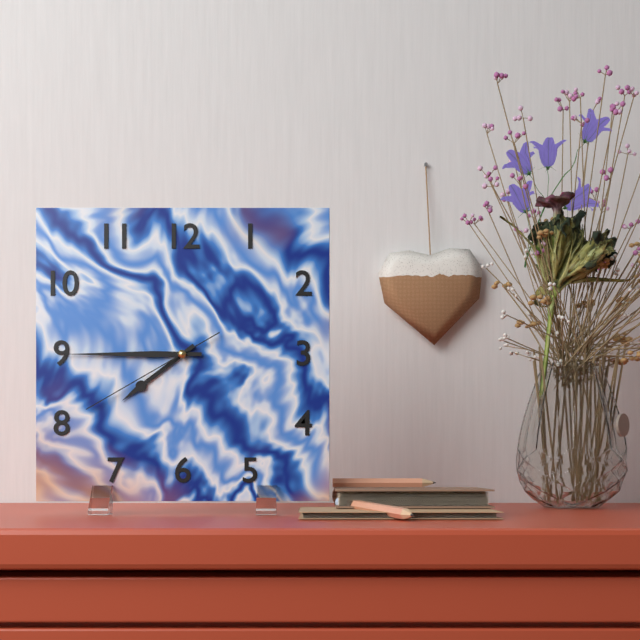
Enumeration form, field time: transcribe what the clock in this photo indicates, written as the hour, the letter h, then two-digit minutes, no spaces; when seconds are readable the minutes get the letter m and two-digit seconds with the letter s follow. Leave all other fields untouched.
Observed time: 7h45m40s
